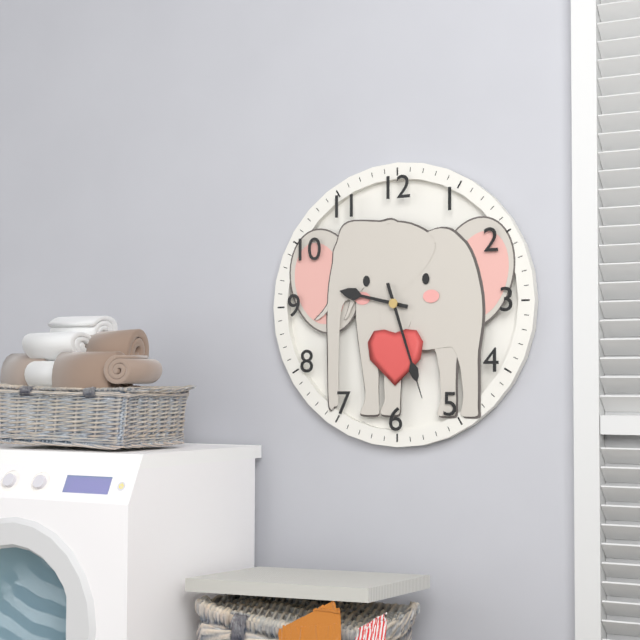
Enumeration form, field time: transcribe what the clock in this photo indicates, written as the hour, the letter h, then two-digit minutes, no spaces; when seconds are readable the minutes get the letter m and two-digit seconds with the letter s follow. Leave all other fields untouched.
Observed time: 9h27
